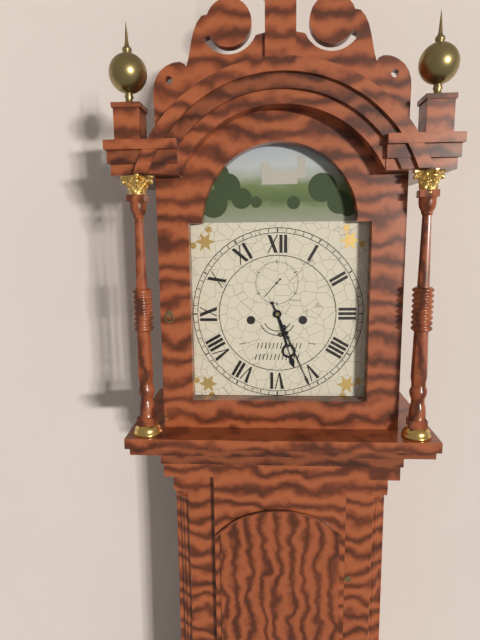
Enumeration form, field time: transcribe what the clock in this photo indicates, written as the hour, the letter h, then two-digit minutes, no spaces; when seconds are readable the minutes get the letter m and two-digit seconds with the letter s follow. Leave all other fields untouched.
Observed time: 5h26
